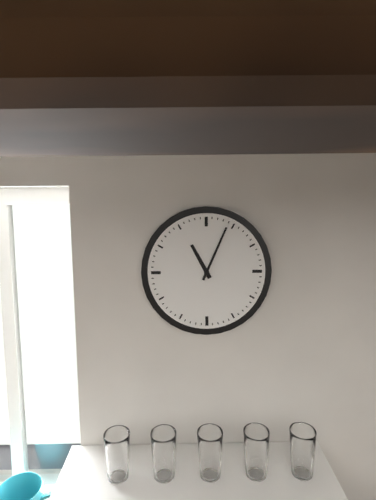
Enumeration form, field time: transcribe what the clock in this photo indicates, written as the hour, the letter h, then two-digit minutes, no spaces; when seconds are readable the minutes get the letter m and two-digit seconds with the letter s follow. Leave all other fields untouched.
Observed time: 11h04
